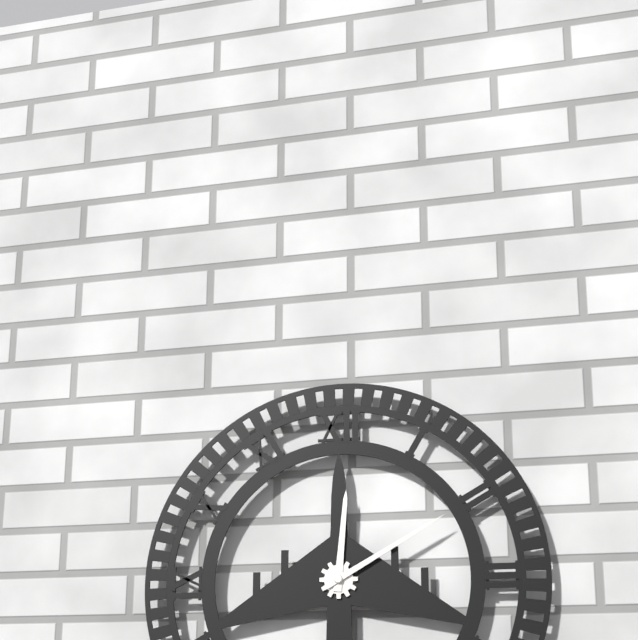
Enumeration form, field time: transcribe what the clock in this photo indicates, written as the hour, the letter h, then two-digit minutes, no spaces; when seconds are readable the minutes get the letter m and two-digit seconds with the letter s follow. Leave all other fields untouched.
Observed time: 12h10
